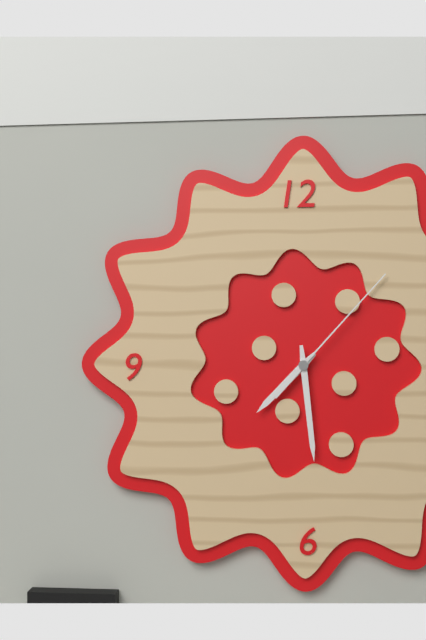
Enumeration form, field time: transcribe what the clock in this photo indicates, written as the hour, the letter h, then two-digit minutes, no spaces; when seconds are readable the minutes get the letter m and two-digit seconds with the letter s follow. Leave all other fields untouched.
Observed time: 7h29m07s
